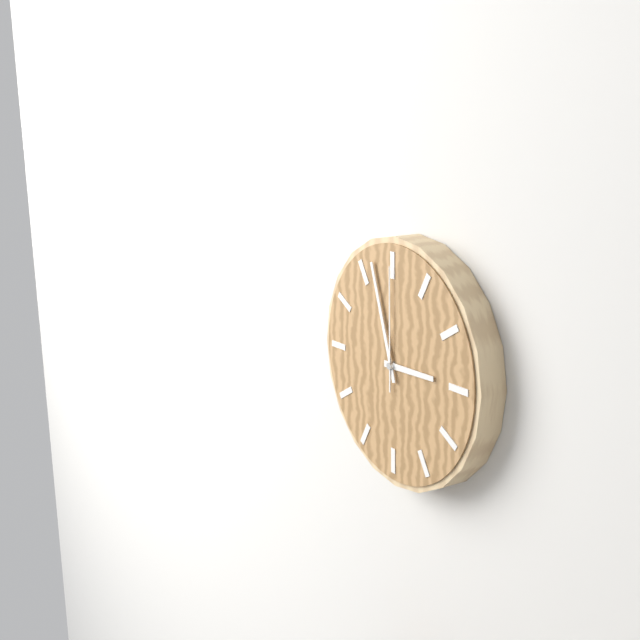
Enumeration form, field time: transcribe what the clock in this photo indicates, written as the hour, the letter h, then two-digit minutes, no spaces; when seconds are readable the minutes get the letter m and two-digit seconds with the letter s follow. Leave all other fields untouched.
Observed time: 2h57m00s
